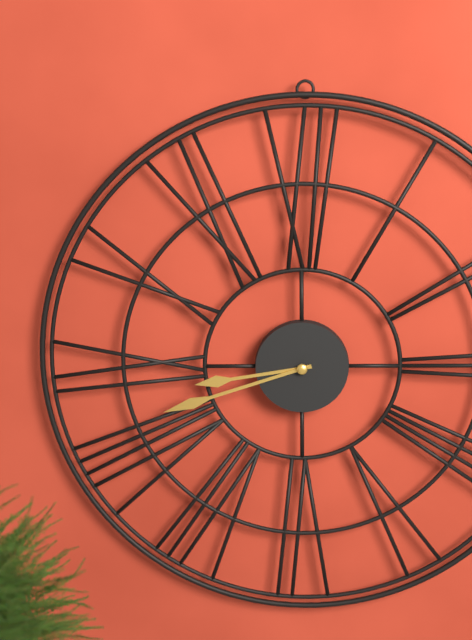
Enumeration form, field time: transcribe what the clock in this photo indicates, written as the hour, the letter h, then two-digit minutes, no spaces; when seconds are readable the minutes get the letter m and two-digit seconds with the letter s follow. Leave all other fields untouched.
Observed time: 8h42
